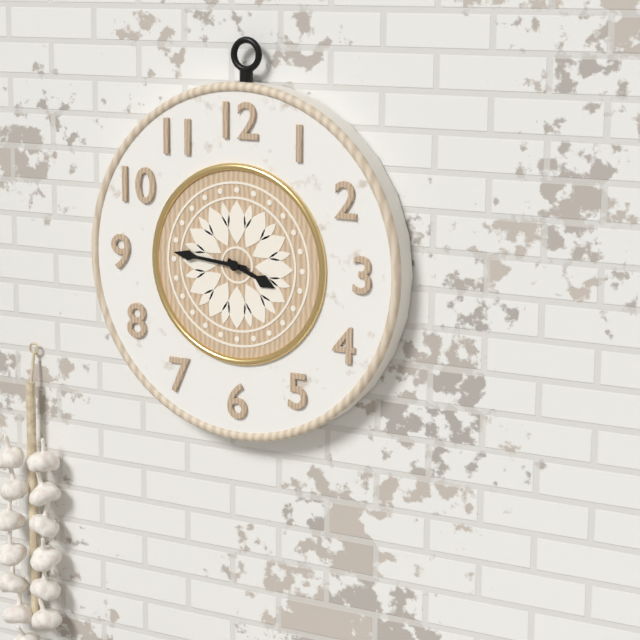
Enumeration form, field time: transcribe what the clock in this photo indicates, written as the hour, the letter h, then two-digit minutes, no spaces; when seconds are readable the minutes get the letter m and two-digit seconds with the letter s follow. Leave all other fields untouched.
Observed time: 3h46
